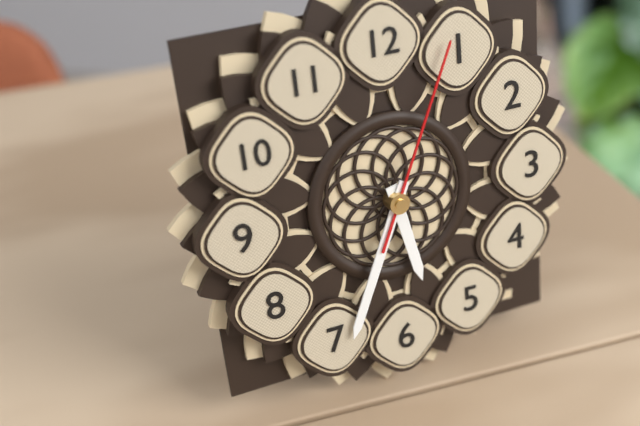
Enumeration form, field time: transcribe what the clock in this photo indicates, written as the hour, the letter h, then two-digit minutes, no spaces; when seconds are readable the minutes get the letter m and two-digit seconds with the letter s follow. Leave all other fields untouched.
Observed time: 5h34m04s
